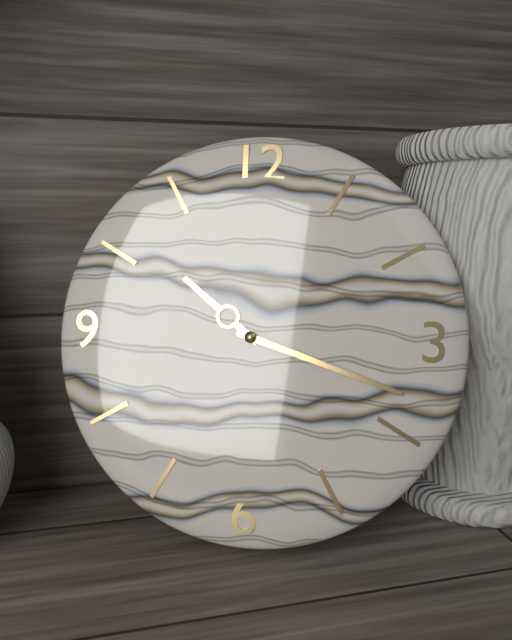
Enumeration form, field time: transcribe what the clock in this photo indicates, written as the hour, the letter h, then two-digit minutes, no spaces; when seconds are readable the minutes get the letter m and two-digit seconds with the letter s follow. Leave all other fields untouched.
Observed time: 10h18
